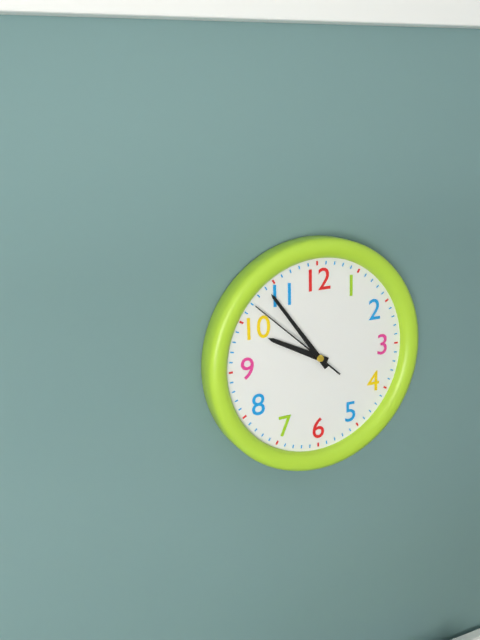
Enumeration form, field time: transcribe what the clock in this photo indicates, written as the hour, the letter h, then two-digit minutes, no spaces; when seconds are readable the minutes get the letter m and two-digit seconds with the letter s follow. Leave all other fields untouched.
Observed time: 9h54m52s
